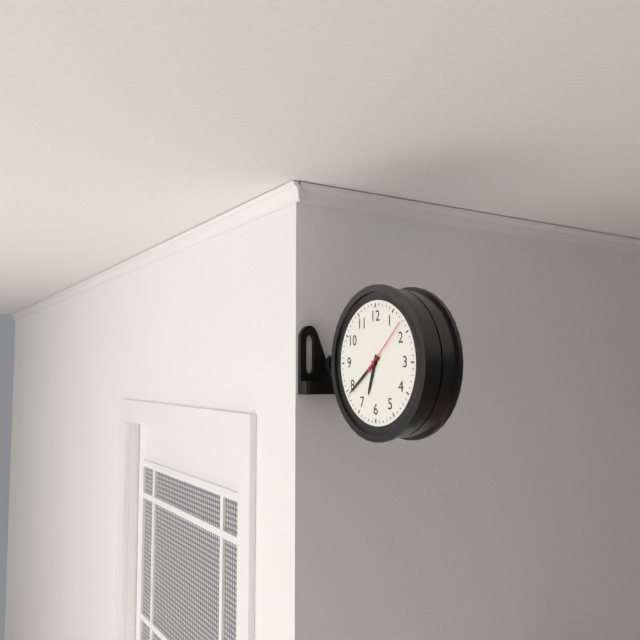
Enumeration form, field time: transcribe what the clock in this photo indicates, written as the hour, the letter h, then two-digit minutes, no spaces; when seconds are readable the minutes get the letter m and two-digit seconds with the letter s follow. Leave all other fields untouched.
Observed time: 6h39m08s
